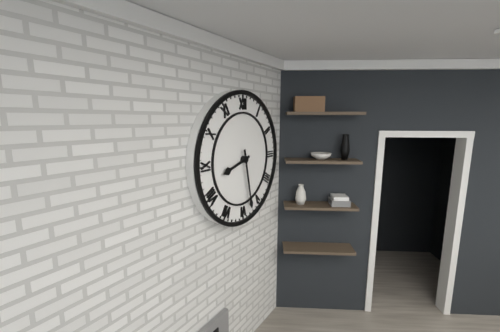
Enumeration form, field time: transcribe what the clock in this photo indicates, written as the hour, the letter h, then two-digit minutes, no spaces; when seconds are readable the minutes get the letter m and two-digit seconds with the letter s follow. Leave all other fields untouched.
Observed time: 8h28
